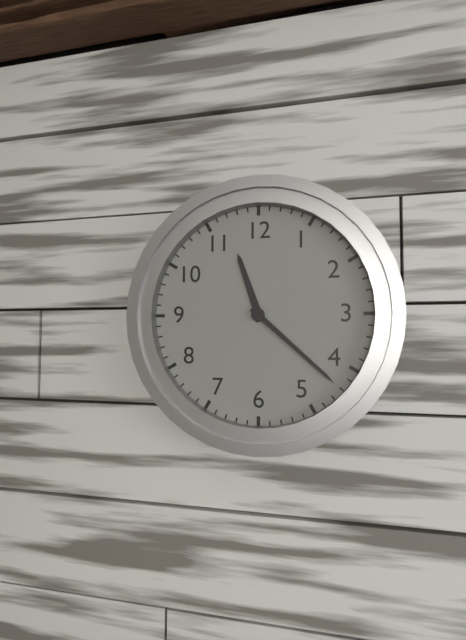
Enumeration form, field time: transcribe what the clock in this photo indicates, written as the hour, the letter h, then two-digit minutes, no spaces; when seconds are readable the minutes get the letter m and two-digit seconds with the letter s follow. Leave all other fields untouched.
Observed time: 11h22
